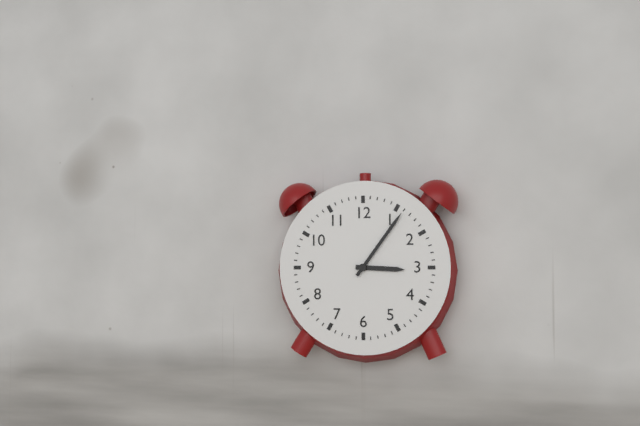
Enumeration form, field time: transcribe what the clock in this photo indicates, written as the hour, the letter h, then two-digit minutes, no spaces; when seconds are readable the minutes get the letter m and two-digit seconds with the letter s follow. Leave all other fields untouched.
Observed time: 3h06
